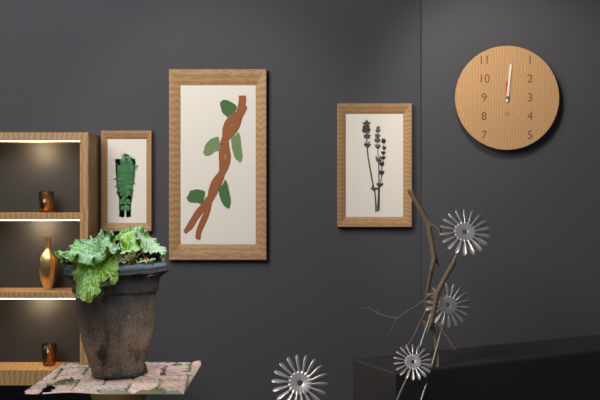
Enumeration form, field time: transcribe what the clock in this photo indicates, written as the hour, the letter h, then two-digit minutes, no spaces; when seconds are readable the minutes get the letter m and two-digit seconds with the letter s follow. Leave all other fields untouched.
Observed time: 12h01
